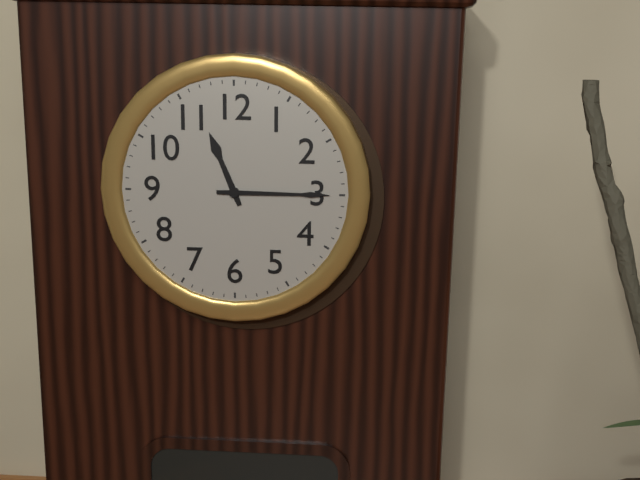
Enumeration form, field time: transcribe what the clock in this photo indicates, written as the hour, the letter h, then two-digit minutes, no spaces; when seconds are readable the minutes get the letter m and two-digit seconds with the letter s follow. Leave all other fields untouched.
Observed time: 11h15
